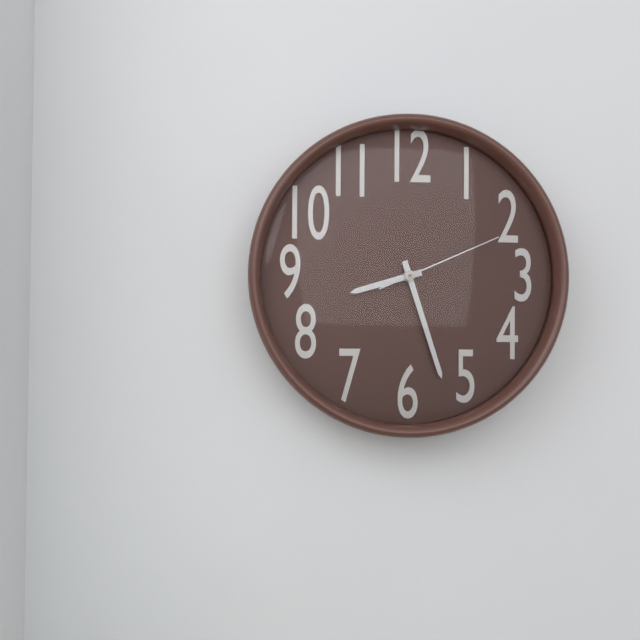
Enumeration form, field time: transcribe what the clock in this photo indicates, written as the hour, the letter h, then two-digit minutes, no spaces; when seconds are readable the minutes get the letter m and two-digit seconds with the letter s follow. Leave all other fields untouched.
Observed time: 8h27m11s
